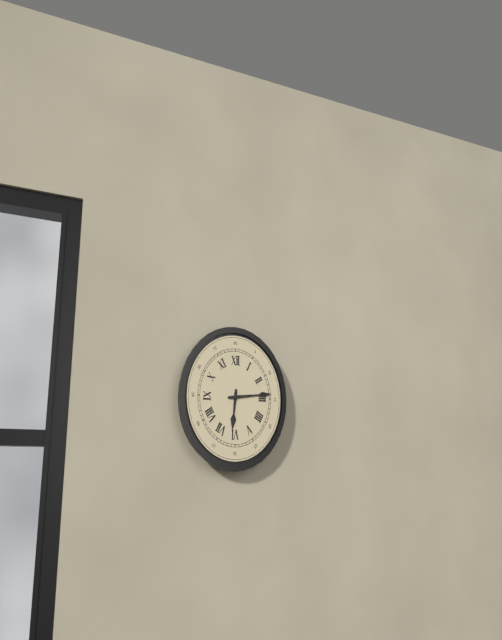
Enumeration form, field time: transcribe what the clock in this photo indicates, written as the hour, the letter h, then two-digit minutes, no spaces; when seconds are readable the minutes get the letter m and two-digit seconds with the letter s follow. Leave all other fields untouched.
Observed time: 6h14
